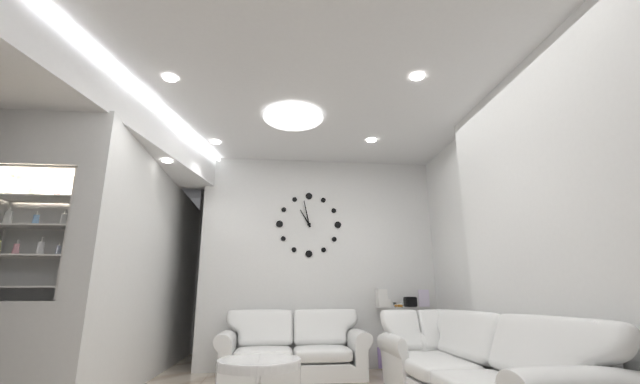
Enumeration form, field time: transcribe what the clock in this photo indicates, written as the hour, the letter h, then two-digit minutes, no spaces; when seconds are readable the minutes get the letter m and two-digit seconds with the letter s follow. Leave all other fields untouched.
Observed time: 10h58
